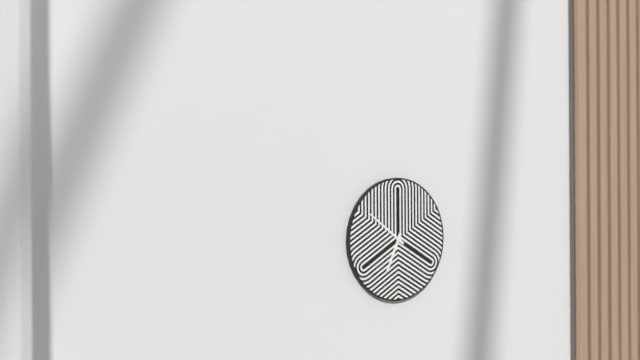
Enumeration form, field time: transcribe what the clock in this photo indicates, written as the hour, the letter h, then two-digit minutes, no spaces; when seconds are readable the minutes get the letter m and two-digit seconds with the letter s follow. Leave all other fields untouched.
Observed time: 6h51
